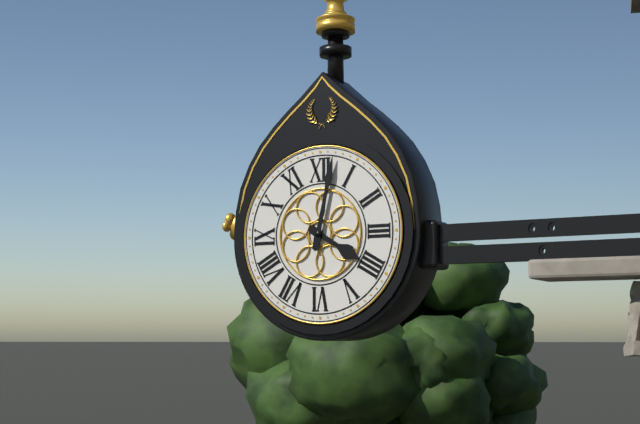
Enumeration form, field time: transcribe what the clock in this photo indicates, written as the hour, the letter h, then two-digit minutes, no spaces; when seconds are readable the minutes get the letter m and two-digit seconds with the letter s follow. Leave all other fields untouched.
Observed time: 4h02
